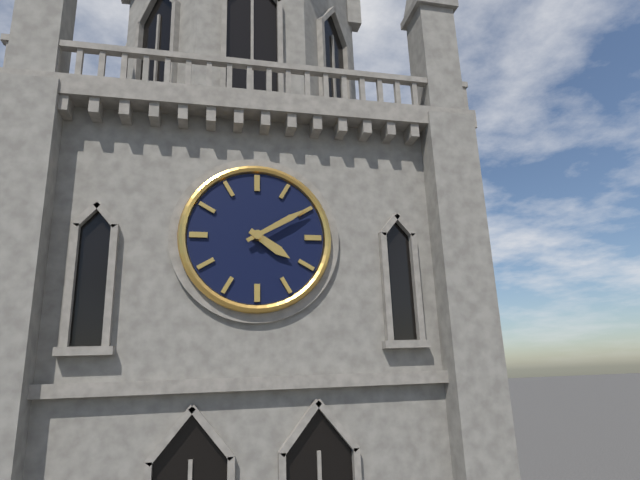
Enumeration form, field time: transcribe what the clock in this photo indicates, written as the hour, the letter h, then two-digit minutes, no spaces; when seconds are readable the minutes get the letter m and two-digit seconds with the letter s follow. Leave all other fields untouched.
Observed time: 4h10
